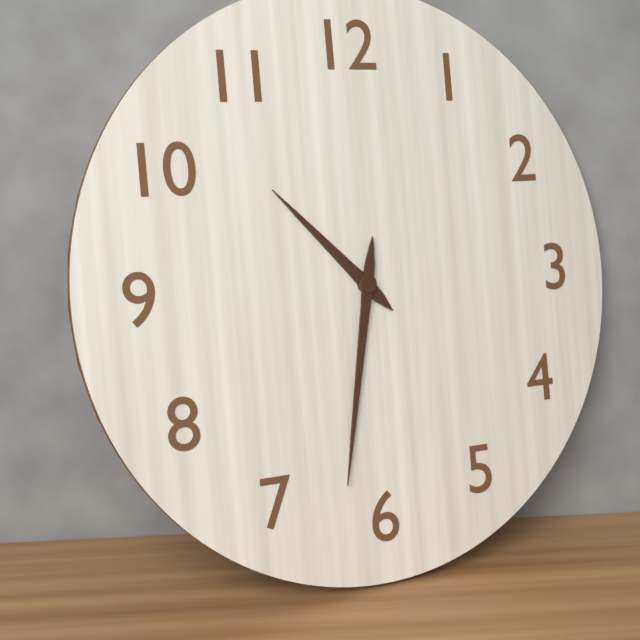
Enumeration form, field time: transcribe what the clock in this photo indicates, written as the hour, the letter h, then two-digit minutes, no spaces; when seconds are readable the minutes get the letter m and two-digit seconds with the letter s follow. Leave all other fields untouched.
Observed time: 10h32
